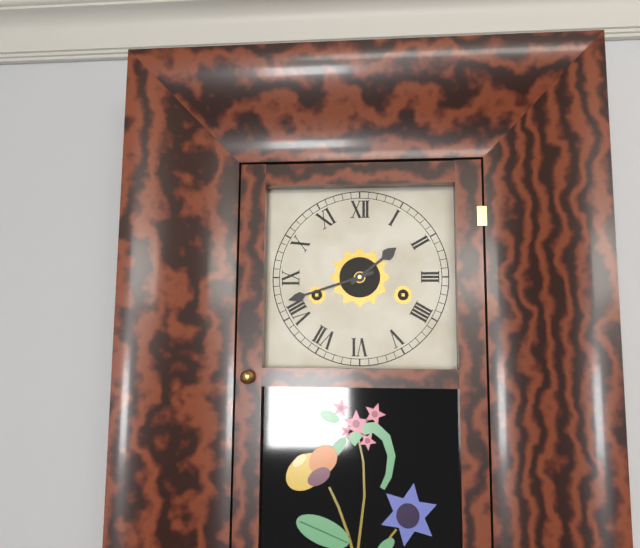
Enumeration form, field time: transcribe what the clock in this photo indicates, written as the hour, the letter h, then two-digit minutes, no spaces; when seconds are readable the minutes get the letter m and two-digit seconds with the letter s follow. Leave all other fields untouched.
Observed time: 1h42
